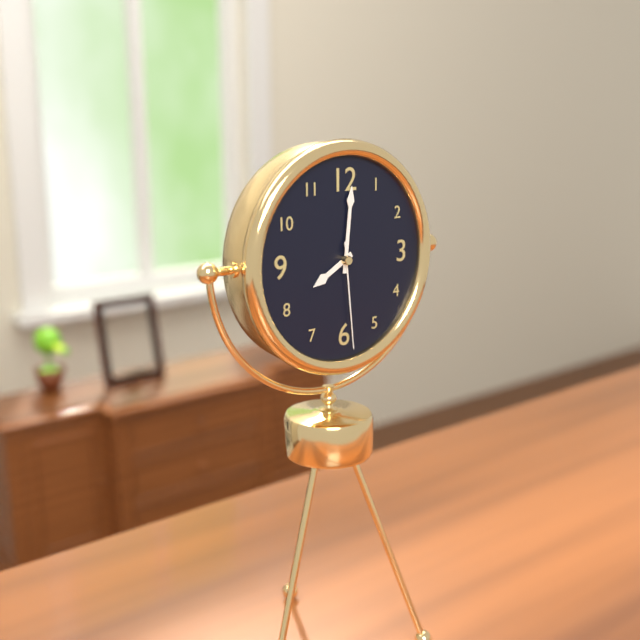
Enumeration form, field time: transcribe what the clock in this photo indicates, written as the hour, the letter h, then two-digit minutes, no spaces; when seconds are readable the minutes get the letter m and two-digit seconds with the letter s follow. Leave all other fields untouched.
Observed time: 8h01m29s
